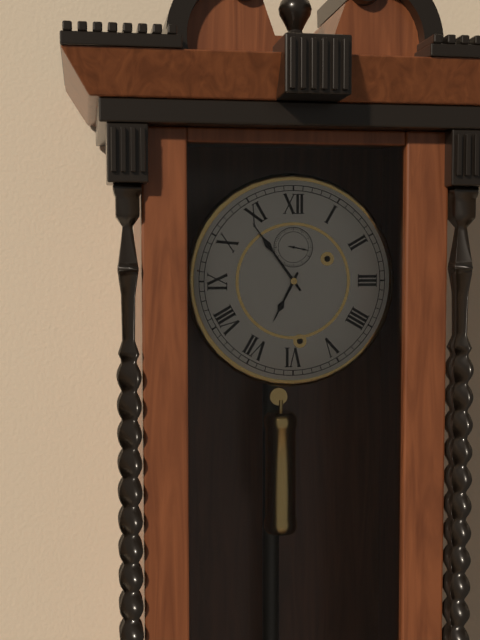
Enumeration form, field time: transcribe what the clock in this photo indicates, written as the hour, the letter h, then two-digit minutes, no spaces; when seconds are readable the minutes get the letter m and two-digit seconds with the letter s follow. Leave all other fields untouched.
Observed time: 6h54
